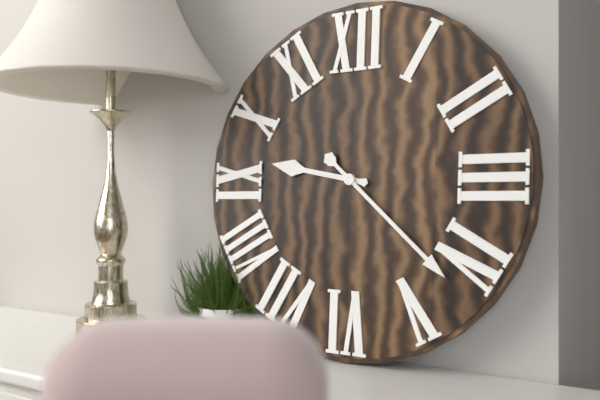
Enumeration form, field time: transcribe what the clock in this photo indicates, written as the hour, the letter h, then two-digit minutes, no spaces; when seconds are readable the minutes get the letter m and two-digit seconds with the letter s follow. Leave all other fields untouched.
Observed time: 9h22
